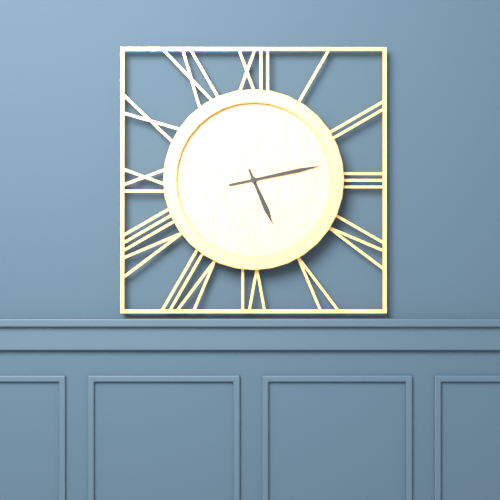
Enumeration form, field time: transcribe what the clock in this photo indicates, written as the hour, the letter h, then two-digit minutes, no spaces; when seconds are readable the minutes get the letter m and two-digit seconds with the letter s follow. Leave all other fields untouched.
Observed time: 5h13
